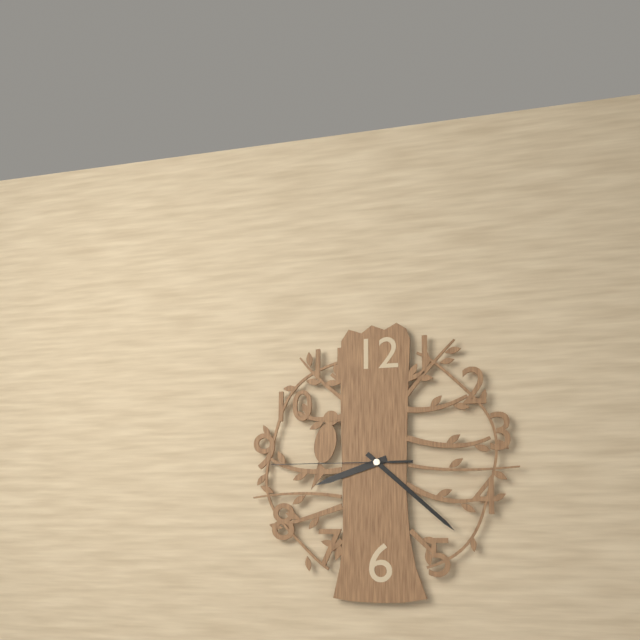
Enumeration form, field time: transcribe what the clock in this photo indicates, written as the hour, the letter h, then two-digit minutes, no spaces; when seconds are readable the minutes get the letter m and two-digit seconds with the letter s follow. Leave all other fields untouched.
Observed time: 8h22m45s
